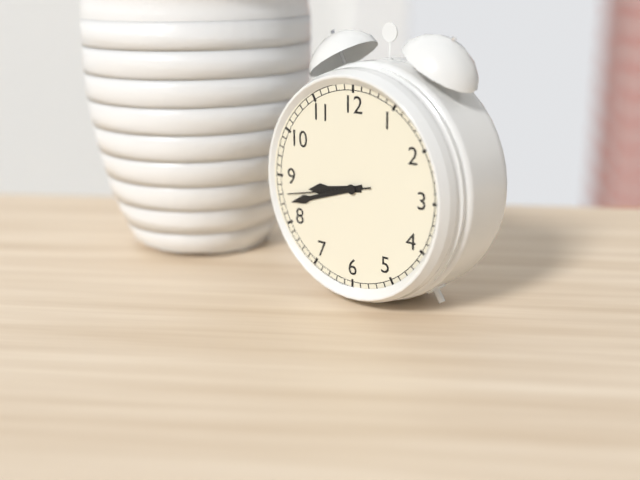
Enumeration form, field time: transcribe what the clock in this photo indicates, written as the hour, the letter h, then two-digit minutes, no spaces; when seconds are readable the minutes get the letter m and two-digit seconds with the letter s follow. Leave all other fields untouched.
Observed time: 8h42m43s
